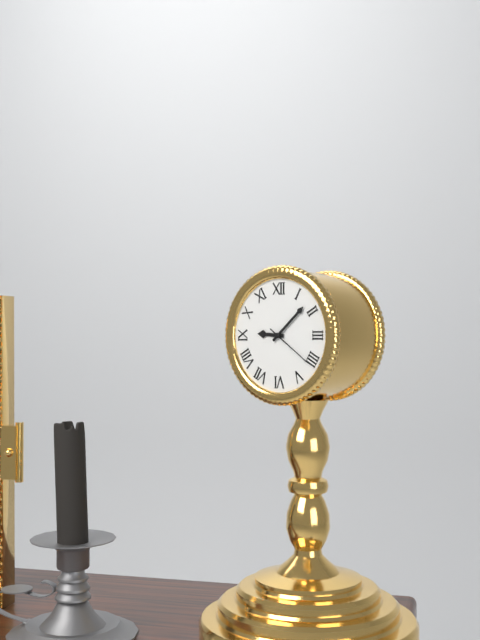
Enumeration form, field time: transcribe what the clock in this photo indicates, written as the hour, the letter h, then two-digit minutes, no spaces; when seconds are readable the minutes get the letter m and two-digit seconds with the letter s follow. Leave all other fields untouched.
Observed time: 9h08
